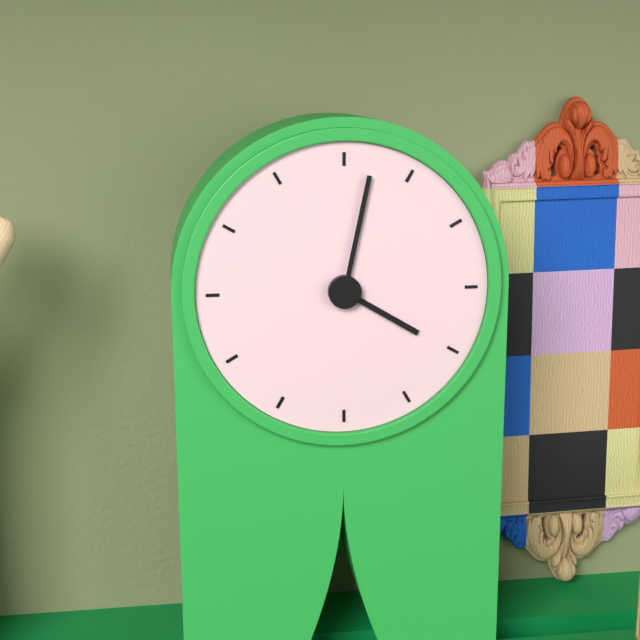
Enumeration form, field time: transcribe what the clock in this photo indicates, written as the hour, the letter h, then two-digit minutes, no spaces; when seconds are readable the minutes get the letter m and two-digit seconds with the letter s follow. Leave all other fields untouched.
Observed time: 4h02
